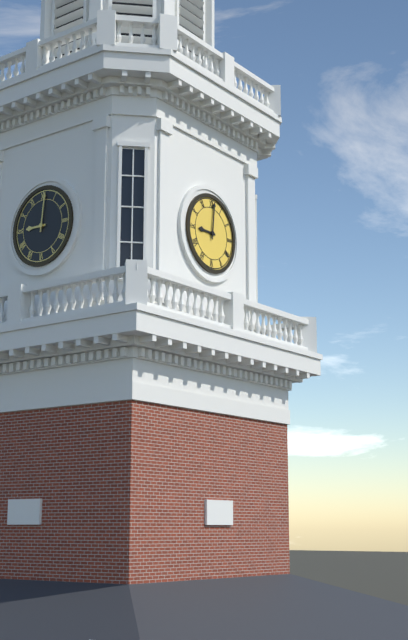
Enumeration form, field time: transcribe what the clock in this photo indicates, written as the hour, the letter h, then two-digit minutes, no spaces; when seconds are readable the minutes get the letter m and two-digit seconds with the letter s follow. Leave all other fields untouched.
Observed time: 9h01
